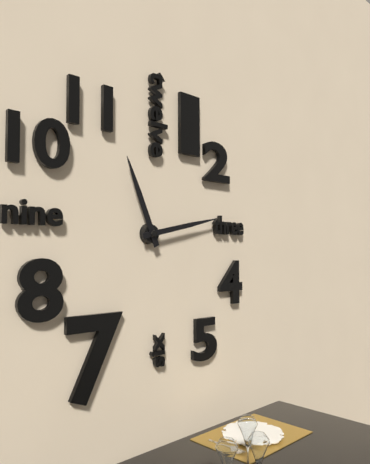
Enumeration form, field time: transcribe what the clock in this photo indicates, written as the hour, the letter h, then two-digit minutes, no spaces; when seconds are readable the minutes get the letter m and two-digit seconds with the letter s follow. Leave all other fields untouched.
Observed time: 11h13
